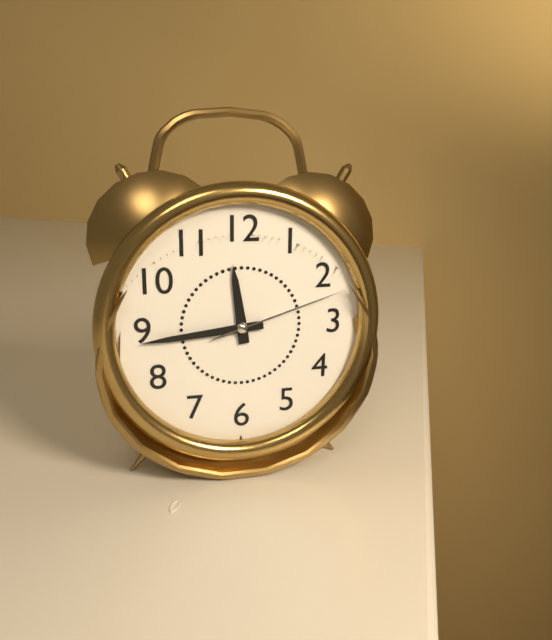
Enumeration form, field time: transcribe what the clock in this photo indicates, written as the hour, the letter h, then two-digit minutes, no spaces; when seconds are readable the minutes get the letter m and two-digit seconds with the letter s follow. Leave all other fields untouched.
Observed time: 11h44m12s
